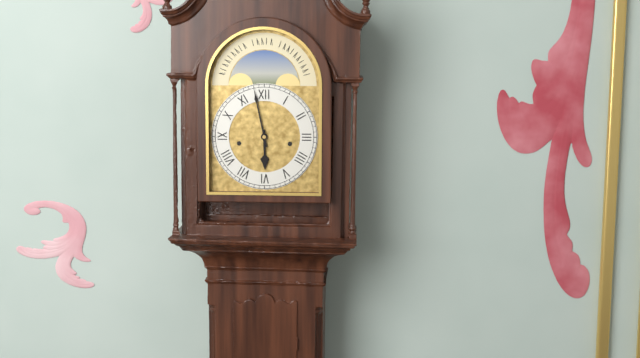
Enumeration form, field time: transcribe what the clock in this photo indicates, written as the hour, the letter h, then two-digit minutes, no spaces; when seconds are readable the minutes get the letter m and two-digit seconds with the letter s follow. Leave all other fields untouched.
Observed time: 5h58
